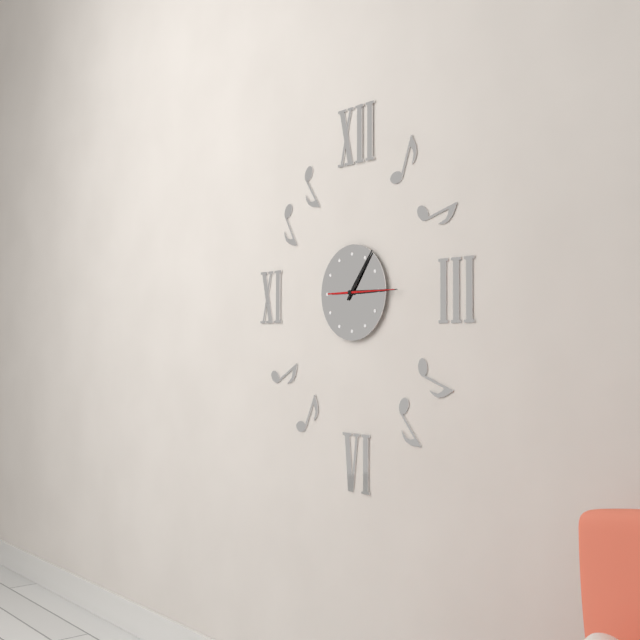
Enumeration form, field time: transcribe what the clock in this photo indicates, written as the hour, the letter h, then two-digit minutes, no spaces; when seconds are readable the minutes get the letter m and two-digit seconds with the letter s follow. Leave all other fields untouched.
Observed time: 1h15
